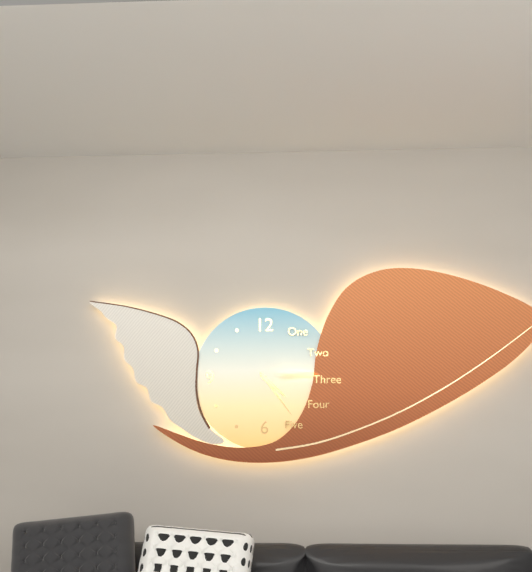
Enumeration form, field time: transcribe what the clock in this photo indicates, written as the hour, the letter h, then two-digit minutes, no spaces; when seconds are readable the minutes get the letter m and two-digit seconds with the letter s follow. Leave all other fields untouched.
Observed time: 4h24
